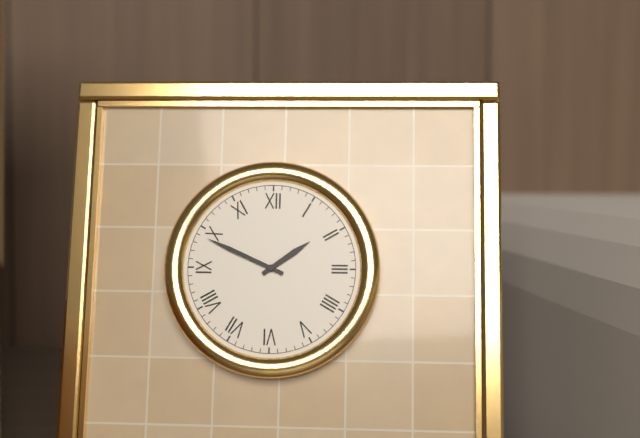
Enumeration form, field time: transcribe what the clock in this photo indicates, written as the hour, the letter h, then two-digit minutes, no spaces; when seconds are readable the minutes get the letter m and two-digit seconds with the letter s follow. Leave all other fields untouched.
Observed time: 1h49
